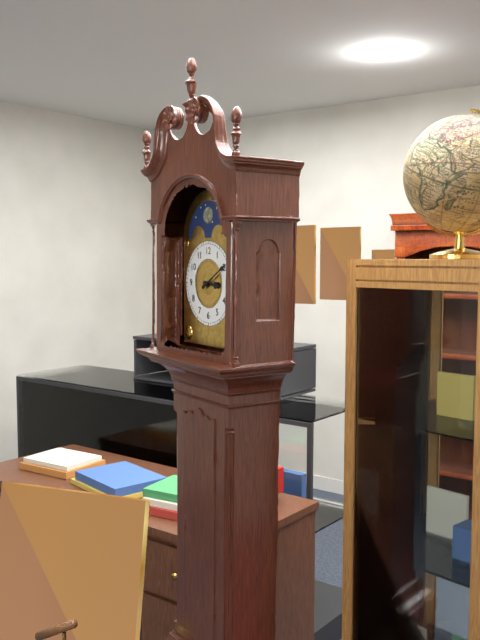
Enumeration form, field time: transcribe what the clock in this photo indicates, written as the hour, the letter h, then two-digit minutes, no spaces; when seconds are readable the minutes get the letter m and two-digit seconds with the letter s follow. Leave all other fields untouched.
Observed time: 3h10
